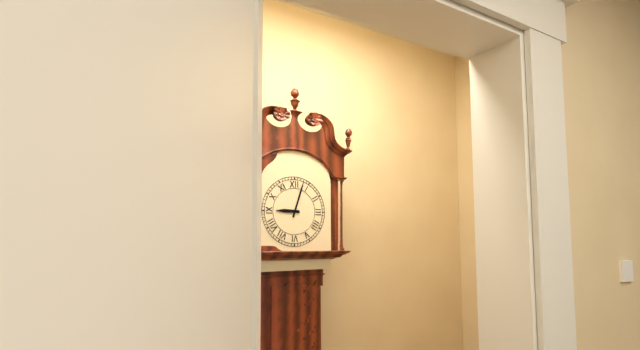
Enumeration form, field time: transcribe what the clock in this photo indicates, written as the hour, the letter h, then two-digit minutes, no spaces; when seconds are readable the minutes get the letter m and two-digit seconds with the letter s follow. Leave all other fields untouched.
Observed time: 9h03
